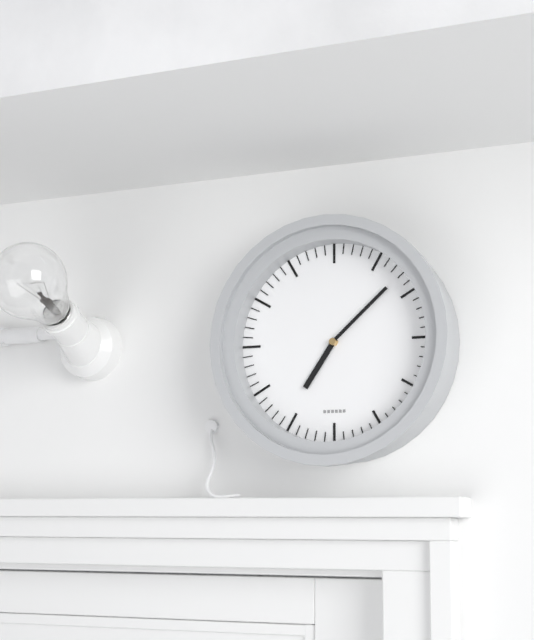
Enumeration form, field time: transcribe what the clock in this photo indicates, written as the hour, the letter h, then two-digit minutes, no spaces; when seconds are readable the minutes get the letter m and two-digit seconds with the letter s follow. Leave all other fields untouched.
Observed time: 7h08
